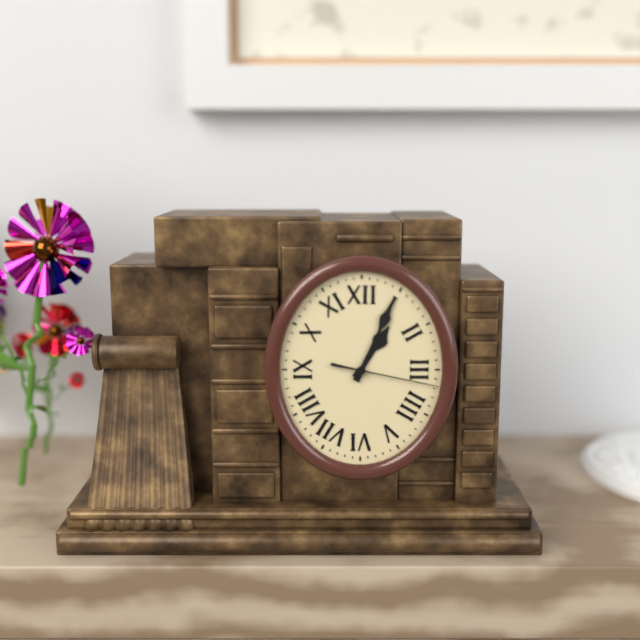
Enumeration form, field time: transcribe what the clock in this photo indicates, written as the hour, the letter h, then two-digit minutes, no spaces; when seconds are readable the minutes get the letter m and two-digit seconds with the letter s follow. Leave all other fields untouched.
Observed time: 1h04m17s
